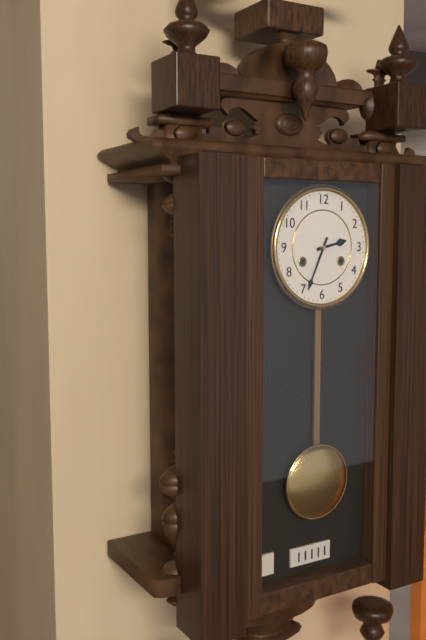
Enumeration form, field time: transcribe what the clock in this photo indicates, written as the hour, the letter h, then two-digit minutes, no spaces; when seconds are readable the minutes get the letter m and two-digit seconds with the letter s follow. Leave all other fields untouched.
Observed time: 2h34
